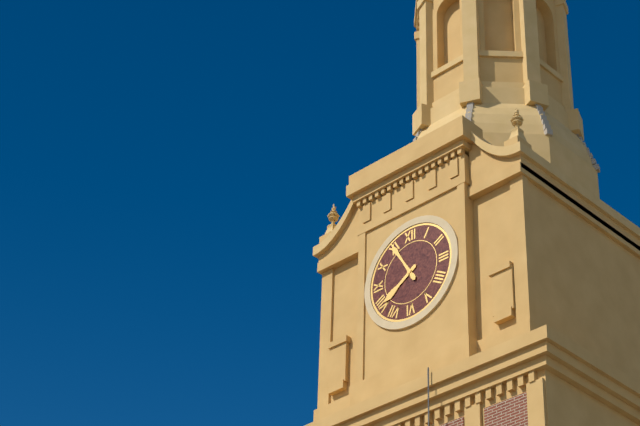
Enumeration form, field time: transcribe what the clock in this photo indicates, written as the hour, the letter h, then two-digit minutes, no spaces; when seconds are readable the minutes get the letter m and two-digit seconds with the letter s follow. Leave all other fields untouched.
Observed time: 7h55
